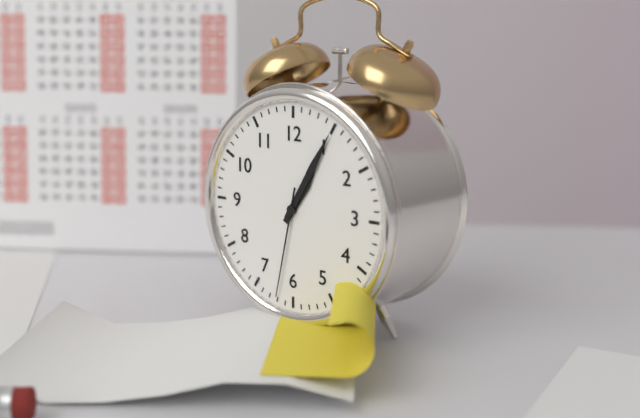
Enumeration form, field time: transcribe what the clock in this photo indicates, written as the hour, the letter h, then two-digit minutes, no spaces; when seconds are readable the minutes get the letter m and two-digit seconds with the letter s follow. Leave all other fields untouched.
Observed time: 1h05m32s
